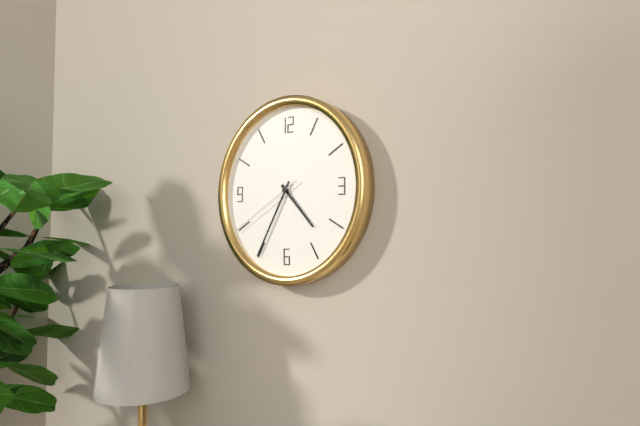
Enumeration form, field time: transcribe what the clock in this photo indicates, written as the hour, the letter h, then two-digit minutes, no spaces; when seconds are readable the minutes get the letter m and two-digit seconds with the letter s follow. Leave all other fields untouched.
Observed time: 4h35m40s
